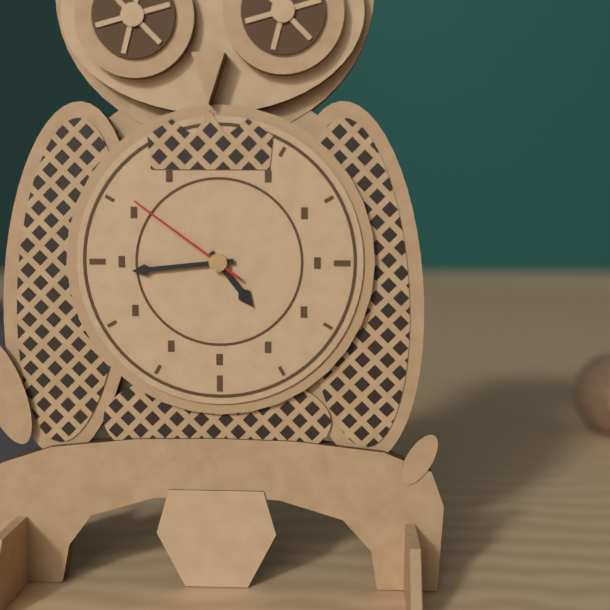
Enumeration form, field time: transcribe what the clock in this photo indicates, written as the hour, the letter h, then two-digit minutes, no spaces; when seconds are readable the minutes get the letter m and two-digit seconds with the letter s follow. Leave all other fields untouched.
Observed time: 4h44m51s
